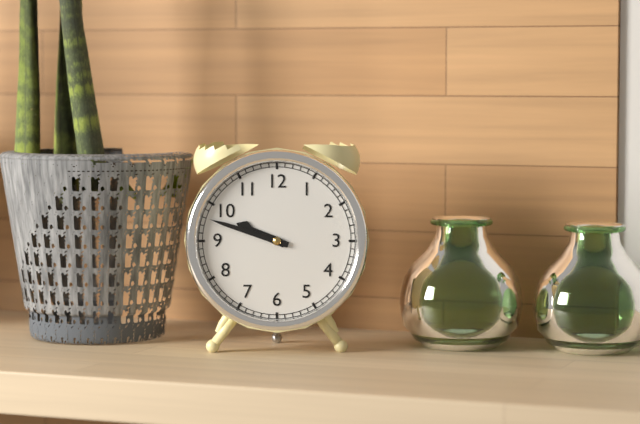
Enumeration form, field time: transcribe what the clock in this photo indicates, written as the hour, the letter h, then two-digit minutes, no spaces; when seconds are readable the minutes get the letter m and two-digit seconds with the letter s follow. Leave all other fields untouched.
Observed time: 9h48
